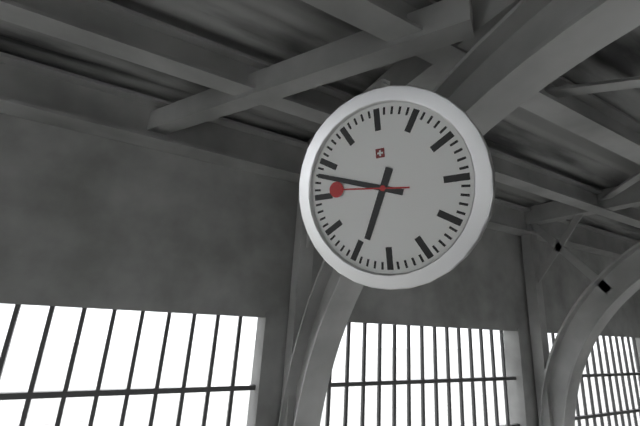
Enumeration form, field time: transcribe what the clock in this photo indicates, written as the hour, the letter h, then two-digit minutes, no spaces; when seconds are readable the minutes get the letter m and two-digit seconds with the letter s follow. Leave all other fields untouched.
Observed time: 6h48m46s
